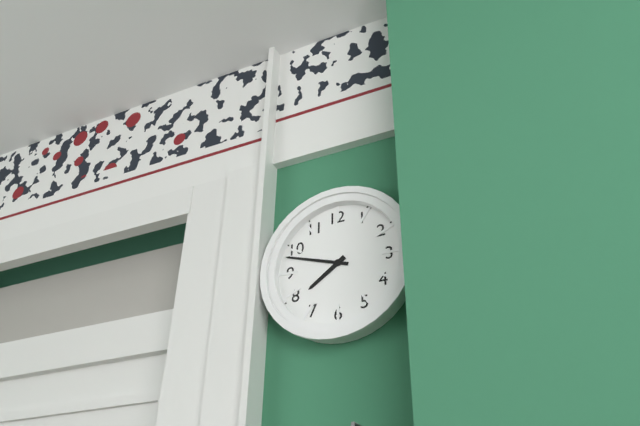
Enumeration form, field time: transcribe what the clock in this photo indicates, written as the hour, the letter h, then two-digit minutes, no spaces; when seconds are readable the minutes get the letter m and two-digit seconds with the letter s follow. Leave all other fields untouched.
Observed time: 7h48
